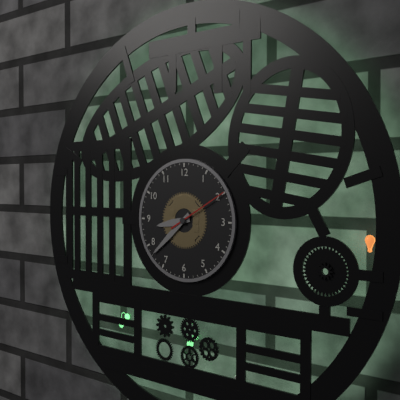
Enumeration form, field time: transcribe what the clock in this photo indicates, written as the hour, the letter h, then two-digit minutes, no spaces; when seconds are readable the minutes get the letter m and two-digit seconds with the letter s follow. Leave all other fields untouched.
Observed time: 8h38m10s
